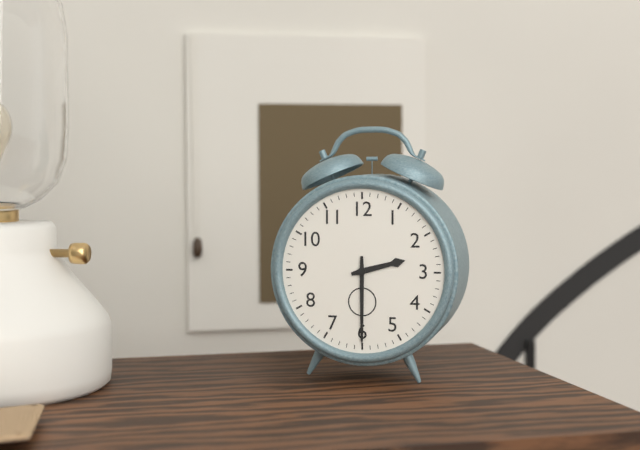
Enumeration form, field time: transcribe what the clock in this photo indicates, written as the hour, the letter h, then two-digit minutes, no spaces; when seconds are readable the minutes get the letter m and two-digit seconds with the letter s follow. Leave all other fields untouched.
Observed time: 2h30
